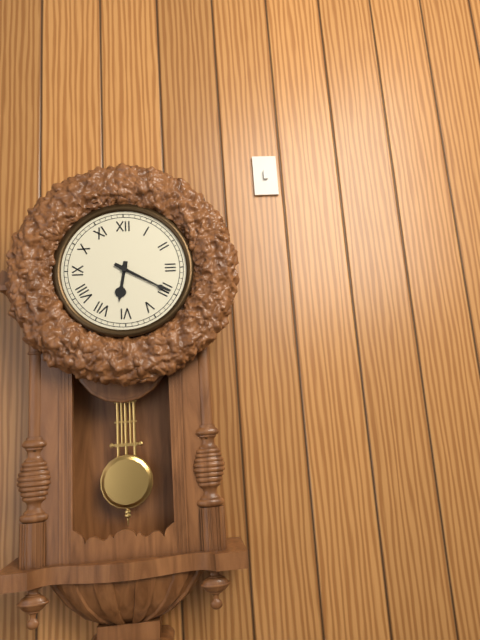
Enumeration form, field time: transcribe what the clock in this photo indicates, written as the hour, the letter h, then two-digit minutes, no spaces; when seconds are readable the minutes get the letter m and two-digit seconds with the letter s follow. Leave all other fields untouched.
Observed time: 6h20
